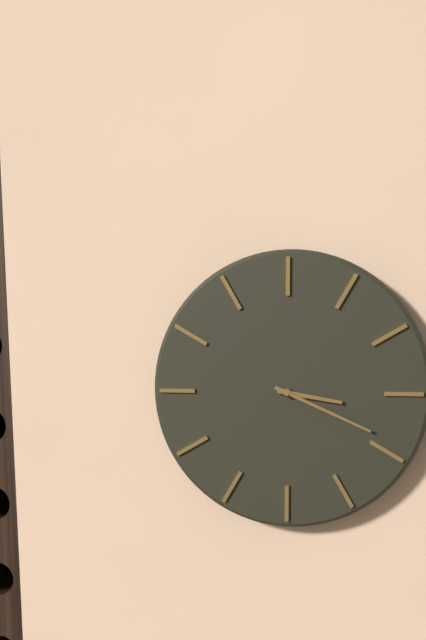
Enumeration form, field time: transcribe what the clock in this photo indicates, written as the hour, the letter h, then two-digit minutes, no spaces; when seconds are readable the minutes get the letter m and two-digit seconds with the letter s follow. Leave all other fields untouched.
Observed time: 3h19
